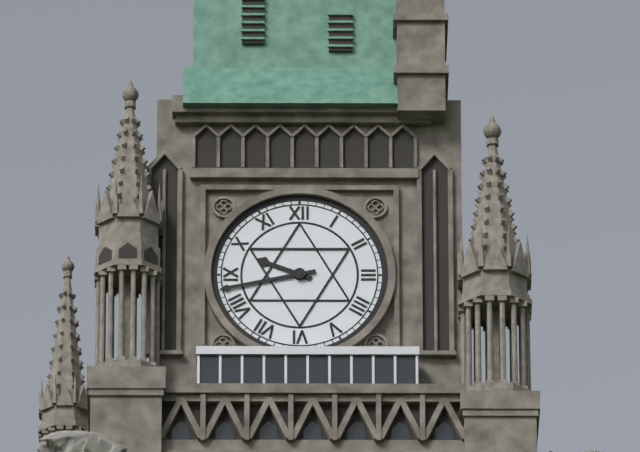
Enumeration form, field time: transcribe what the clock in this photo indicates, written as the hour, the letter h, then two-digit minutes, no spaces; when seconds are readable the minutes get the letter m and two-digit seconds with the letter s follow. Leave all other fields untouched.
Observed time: 9h43
